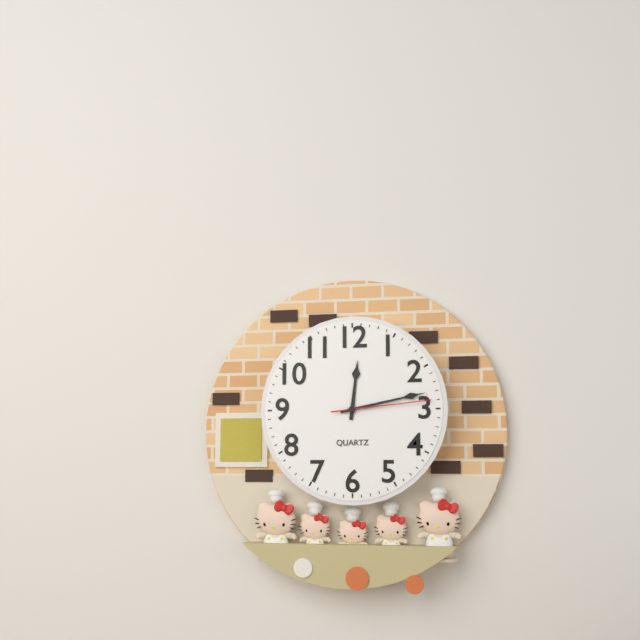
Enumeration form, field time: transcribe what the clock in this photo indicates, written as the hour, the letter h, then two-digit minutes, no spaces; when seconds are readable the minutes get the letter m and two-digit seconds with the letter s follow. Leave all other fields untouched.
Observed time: 12h13m14s
